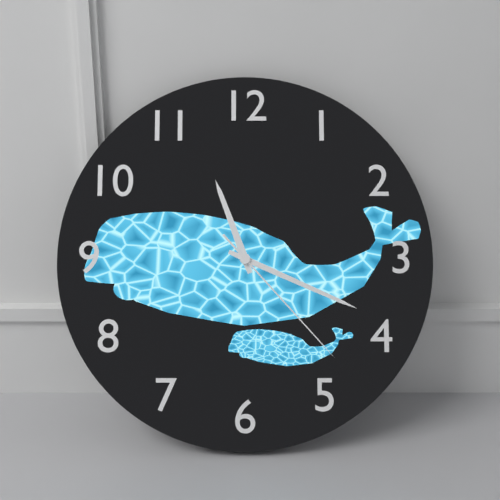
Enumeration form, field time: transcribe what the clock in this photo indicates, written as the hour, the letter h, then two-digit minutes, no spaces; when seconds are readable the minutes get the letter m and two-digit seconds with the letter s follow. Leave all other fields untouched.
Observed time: 11h19m23s
